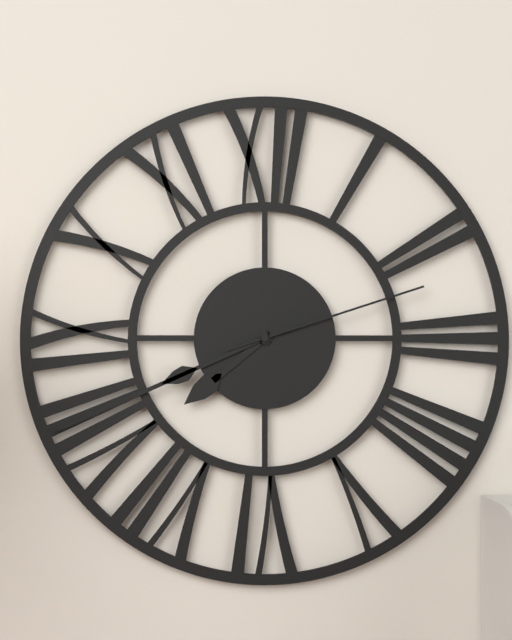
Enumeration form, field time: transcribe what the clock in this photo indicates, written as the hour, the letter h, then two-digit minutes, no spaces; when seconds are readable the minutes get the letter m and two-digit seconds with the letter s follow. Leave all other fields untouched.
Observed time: 7h41m12s
